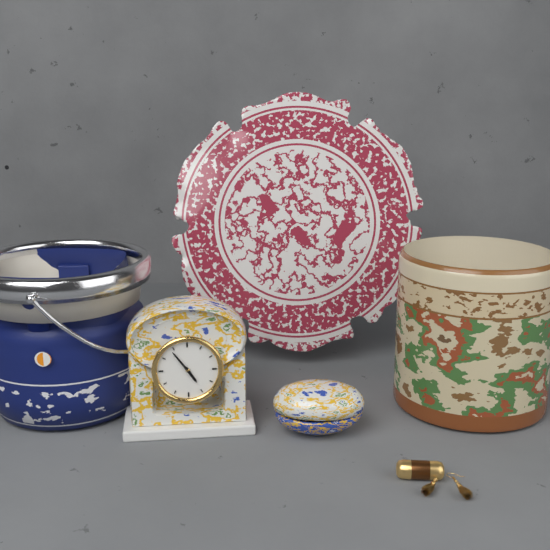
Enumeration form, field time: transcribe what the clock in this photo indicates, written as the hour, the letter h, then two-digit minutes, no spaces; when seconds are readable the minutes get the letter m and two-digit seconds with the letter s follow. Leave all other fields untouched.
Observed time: 4h54
